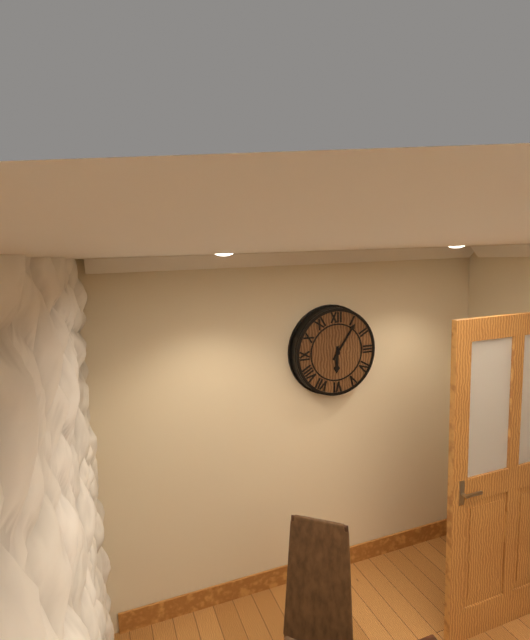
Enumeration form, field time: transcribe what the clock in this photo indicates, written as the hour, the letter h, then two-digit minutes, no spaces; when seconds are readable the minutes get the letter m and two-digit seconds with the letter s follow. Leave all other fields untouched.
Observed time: 6h06
